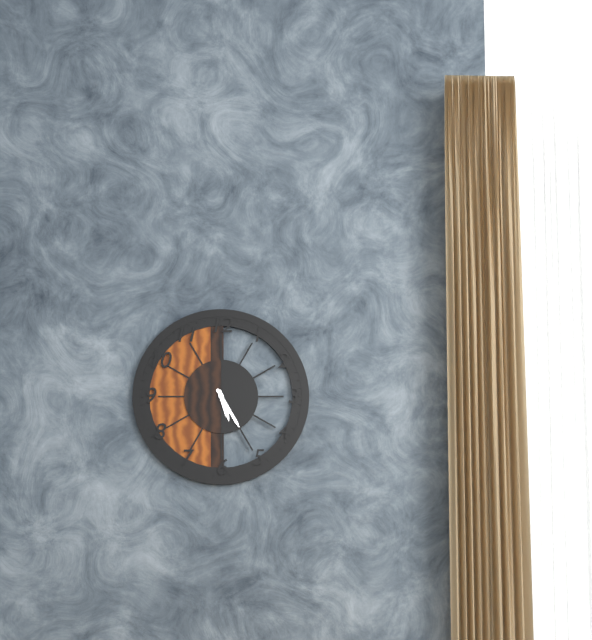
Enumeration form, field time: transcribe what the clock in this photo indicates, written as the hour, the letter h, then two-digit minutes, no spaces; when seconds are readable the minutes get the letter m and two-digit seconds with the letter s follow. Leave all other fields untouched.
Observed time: 5h25
